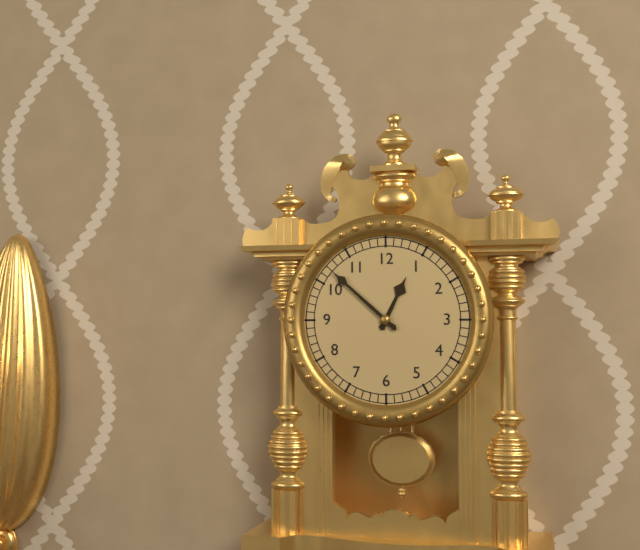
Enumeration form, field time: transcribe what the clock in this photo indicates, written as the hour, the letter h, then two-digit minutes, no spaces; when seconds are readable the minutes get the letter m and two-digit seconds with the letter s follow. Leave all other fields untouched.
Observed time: 12h52
